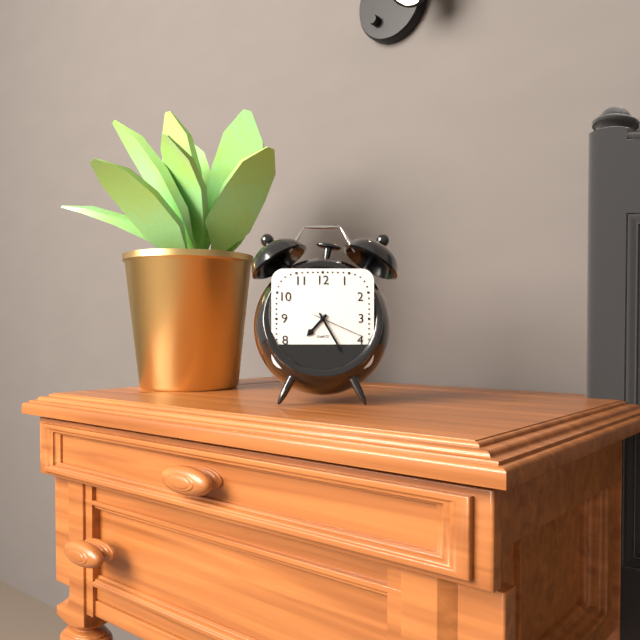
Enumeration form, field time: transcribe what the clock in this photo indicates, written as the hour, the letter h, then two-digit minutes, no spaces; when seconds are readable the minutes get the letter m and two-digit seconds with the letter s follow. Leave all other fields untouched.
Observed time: 7h25m19s
